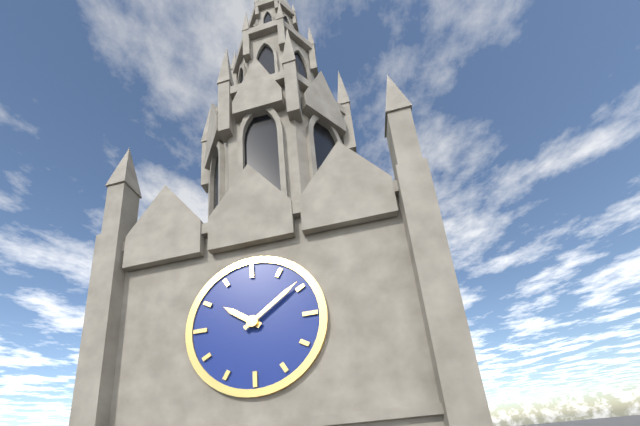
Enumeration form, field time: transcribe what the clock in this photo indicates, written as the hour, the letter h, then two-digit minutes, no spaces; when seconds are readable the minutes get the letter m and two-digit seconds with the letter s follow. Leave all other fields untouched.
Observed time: 10h09
